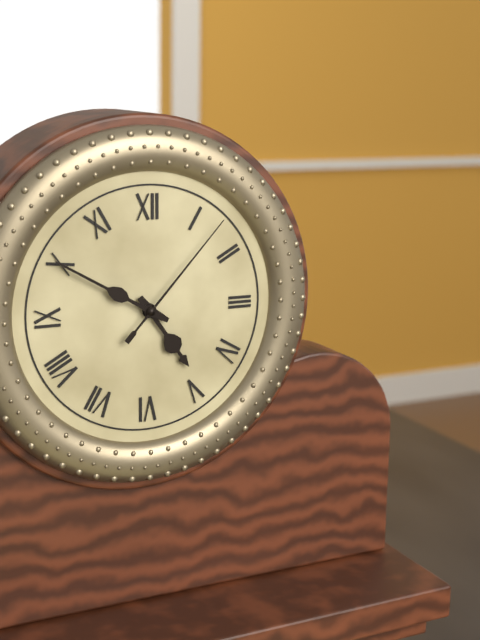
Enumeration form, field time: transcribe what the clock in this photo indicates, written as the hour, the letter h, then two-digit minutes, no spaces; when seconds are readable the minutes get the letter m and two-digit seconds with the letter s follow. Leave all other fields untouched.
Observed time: 4h50m07s
